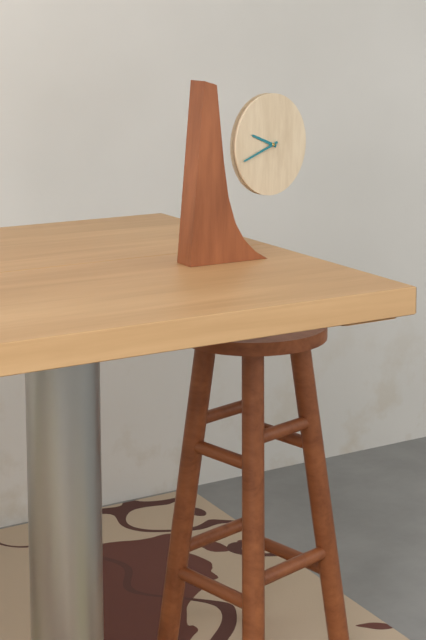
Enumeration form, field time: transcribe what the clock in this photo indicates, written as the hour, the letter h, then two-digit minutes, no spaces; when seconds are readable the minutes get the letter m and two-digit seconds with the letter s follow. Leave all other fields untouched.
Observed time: 9h42
